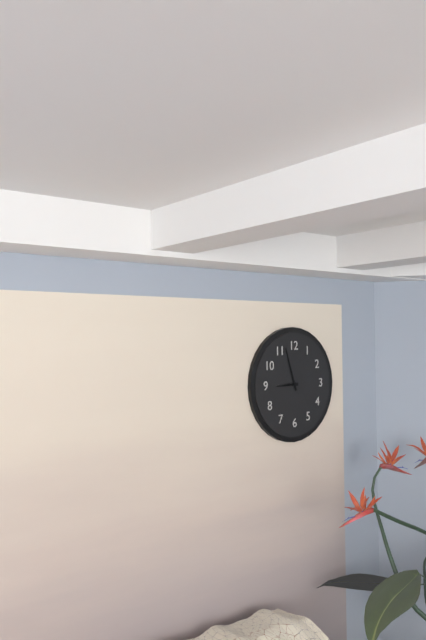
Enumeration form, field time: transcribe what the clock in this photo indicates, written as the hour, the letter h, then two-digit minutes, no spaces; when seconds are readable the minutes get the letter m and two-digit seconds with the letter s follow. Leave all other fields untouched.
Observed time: 8h57
